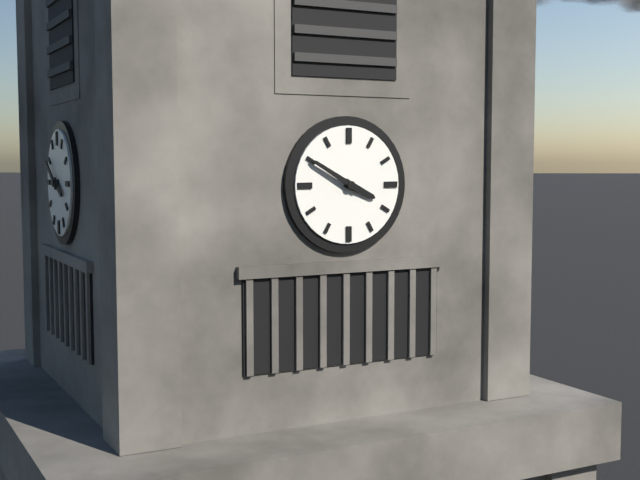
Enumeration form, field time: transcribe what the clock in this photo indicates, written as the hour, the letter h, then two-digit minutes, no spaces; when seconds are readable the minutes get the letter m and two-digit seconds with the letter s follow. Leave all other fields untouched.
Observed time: 3h50
